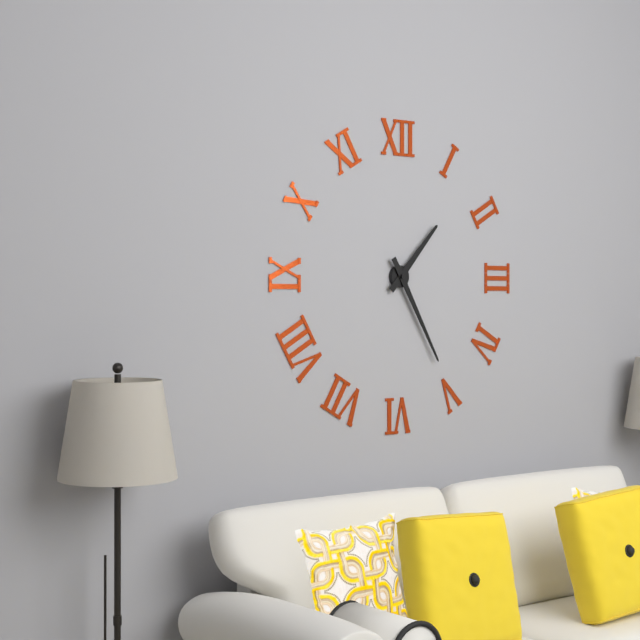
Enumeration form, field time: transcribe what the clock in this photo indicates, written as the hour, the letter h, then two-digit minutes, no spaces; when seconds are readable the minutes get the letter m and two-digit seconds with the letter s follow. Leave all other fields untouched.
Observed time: 1h25
